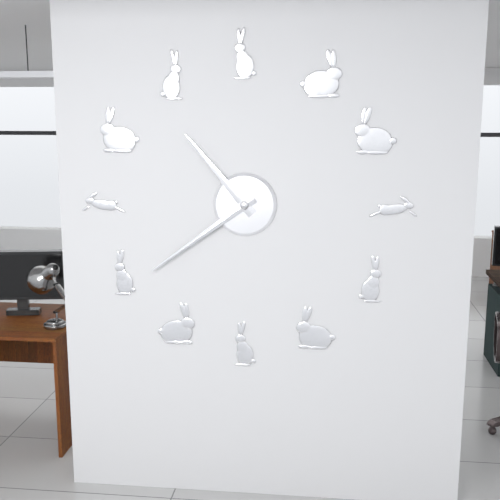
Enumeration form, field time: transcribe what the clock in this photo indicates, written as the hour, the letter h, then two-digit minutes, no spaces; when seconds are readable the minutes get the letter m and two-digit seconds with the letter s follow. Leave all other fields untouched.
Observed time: 10h39
